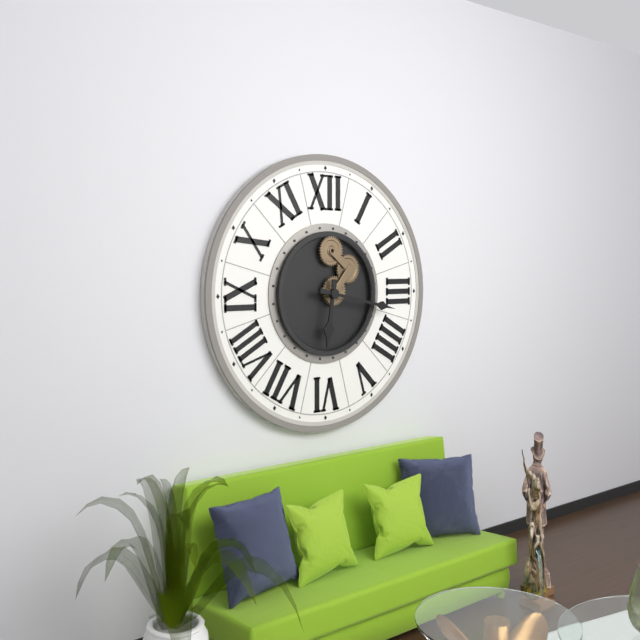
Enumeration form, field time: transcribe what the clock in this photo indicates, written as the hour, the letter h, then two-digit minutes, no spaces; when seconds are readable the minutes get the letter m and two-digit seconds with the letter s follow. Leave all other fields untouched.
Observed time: 6h17
